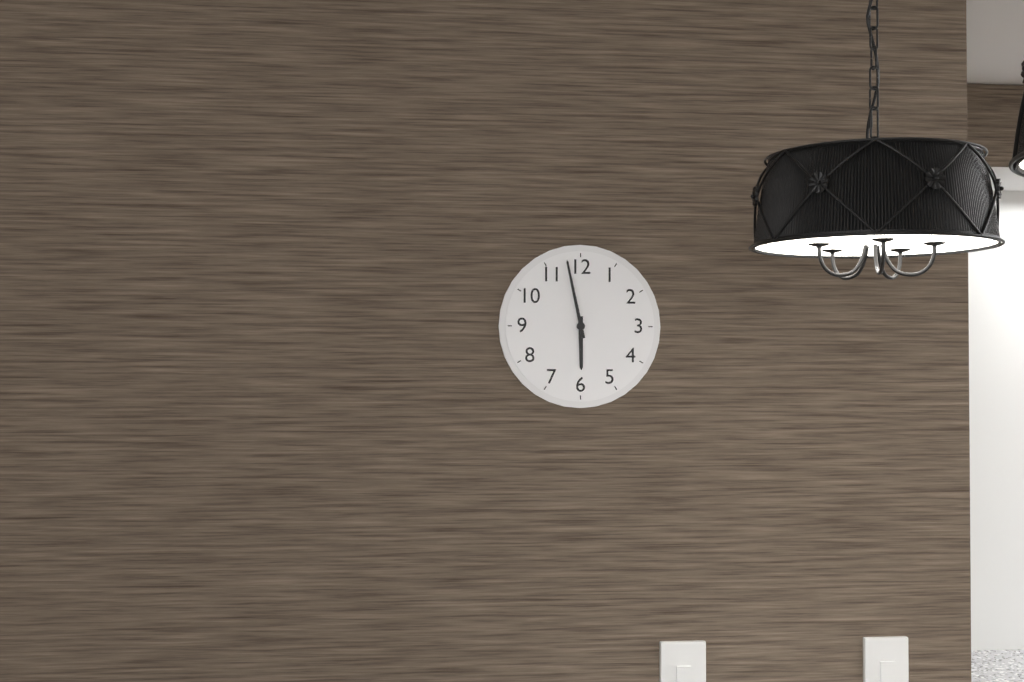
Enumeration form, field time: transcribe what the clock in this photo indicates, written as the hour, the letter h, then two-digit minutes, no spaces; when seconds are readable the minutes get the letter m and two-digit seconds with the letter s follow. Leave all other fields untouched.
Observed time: 5h58
